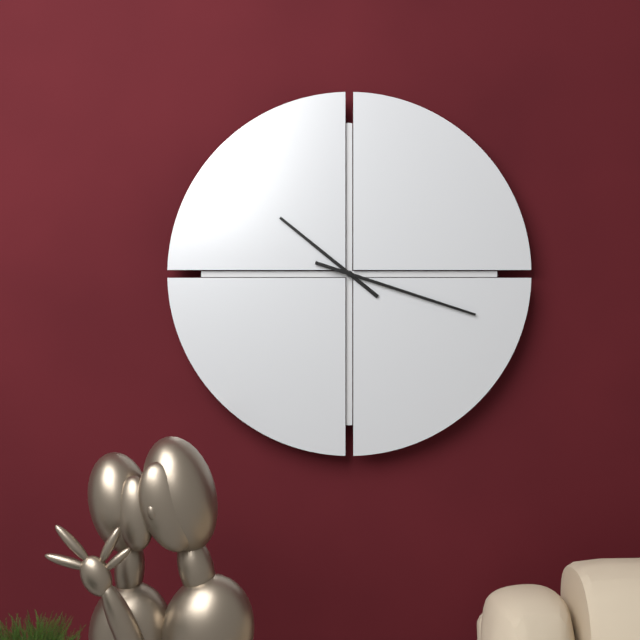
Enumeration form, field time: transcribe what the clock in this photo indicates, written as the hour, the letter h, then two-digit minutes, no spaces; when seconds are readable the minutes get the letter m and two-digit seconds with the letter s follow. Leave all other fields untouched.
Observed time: 10h18
